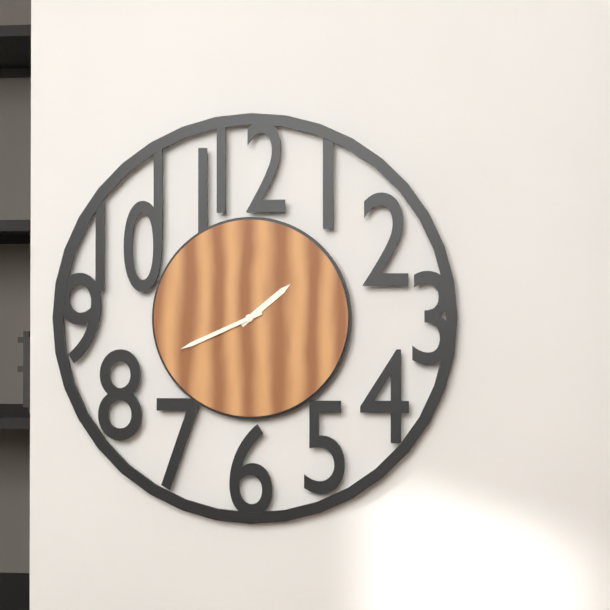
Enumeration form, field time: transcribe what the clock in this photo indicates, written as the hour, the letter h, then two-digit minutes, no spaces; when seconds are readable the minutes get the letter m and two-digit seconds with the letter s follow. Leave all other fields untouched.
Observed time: 1h41
